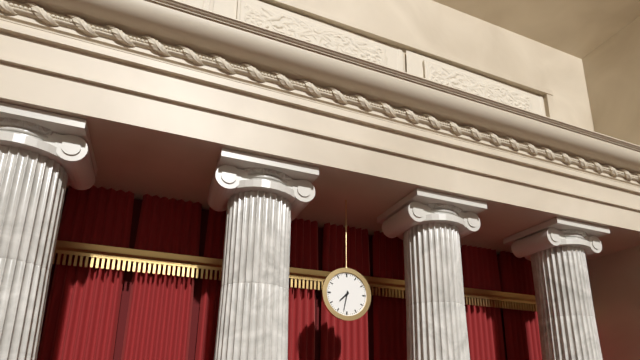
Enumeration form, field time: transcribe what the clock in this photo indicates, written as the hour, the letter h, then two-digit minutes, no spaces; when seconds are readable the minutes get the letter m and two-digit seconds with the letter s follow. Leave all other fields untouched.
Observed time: 7h32
